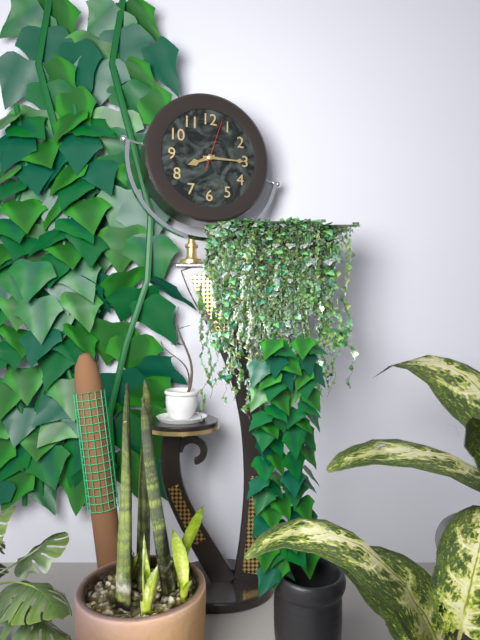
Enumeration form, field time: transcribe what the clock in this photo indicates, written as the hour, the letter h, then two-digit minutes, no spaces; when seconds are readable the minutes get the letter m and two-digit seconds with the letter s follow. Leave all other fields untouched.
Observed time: 8h15
